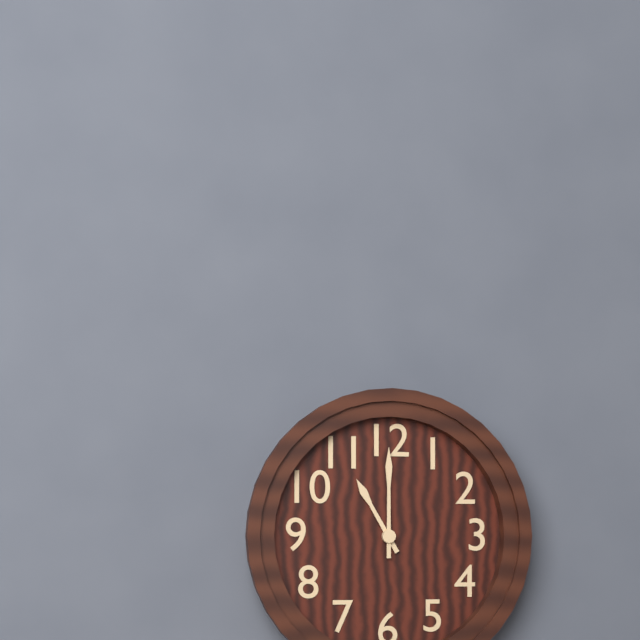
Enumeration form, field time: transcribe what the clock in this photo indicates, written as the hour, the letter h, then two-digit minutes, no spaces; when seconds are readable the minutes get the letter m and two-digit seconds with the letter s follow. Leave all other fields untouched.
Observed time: 11h00
